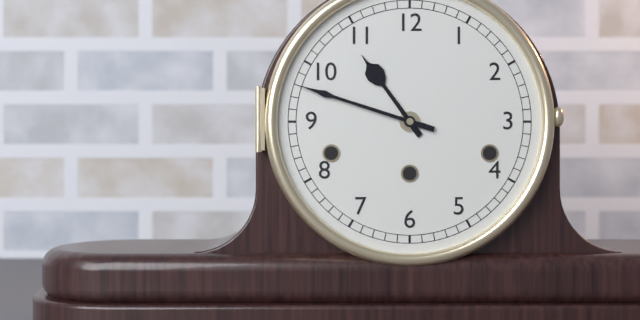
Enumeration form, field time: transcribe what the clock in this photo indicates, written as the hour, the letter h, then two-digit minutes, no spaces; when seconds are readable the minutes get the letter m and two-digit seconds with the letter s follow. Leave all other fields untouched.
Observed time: 10h48
